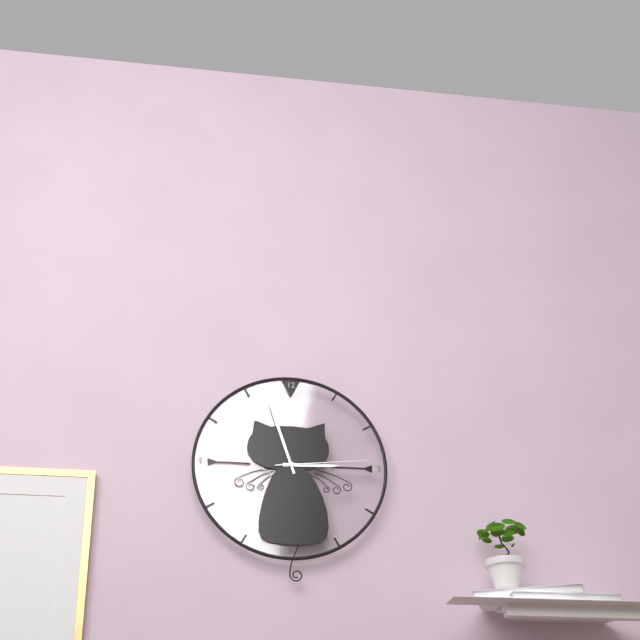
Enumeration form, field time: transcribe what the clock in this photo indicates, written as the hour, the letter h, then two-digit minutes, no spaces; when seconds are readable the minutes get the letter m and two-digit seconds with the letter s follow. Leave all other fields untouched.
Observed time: 2h57m14s
